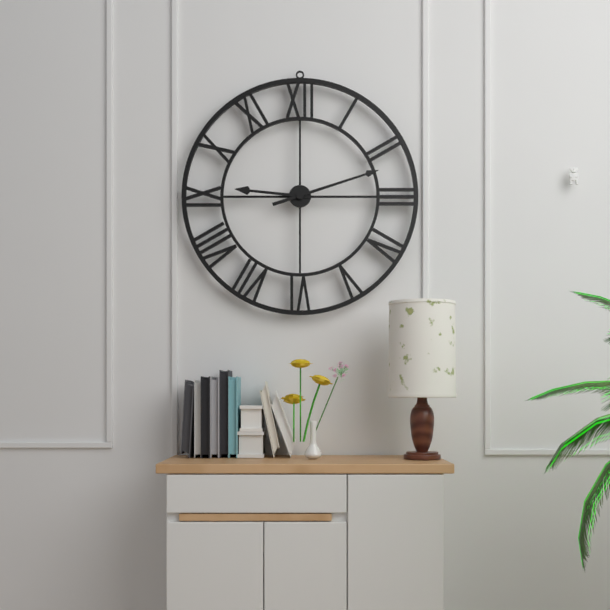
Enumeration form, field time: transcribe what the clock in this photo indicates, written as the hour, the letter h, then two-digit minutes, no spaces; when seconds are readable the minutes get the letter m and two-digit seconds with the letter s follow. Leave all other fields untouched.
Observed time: 9h12
